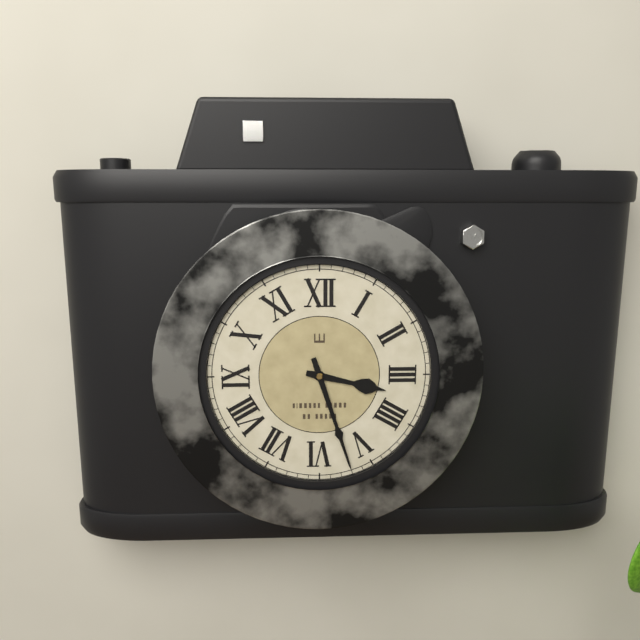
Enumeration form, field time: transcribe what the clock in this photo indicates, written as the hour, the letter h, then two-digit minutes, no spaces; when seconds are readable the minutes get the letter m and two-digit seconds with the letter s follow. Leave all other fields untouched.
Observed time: 3h27
